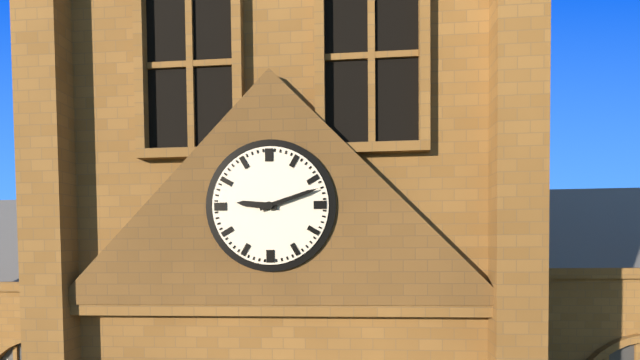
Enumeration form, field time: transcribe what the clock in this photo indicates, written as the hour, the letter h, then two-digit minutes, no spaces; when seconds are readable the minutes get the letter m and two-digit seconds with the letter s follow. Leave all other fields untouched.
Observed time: 9h12
